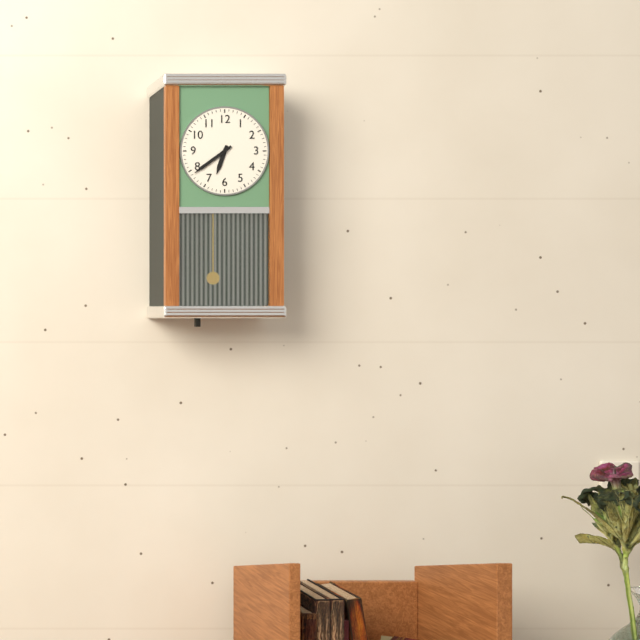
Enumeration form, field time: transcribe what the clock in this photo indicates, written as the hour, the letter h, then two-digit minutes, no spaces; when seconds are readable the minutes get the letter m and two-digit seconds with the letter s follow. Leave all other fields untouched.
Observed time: 6h39
